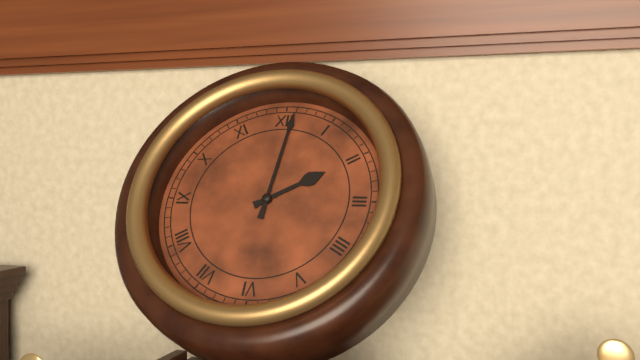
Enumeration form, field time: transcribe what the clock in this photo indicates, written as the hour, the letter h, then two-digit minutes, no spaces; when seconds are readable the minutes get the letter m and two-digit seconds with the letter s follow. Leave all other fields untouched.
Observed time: 2h01
